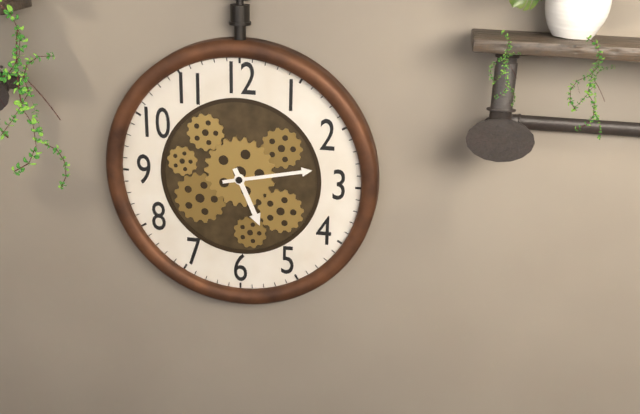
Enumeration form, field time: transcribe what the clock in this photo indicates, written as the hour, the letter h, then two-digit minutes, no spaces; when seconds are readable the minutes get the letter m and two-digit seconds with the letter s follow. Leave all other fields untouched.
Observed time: 5h13
